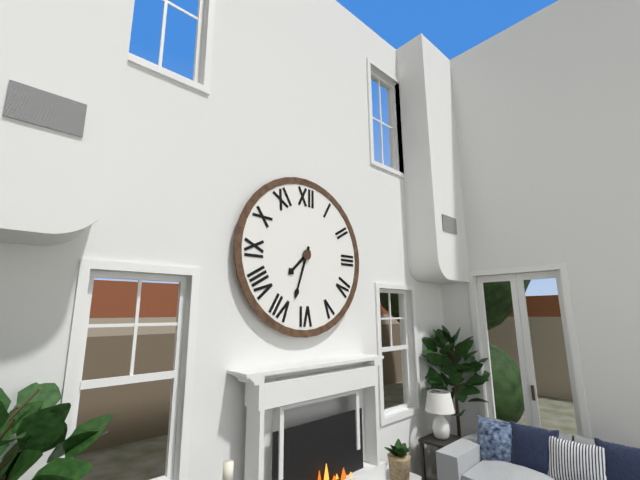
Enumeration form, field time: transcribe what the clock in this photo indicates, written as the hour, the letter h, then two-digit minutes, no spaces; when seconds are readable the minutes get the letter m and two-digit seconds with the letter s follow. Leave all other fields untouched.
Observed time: 7h33
